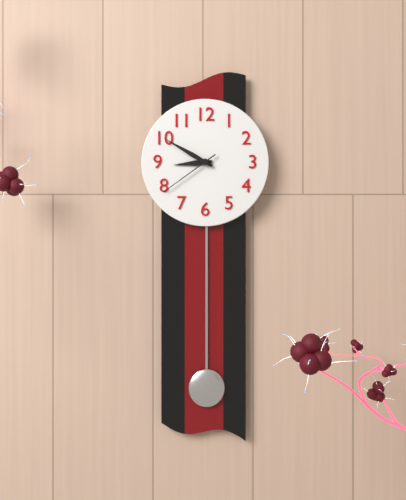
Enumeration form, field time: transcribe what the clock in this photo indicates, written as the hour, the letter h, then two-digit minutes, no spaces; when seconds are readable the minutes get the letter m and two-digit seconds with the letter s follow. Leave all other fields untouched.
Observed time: 8h50m39s
